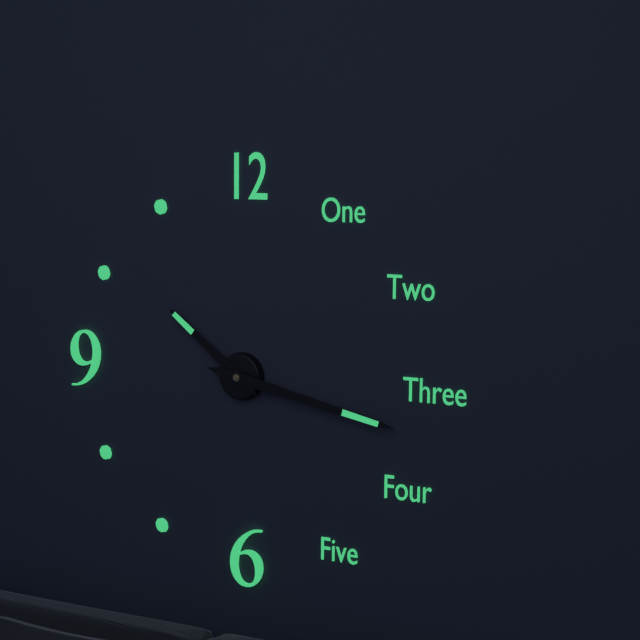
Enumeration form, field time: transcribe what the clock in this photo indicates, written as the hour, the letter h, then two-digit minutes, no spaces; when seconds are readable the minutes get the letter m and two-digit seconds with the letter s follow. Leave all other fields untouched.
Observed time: 10h17
